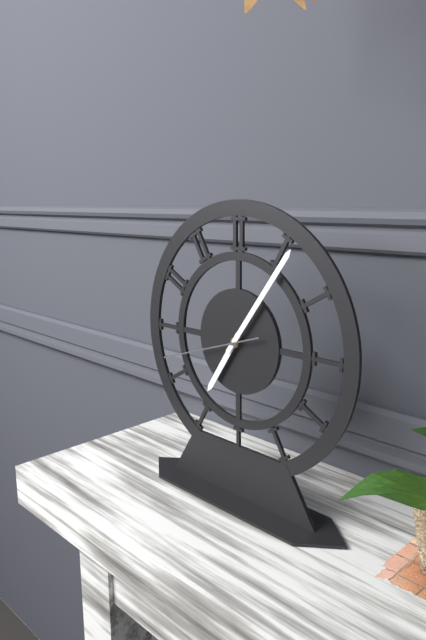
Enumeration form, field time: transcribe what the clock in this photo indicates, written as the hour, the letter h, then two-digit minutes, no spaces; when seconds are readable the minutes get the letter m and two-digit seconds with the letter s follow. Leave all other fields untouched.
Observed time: 7h06m42s
